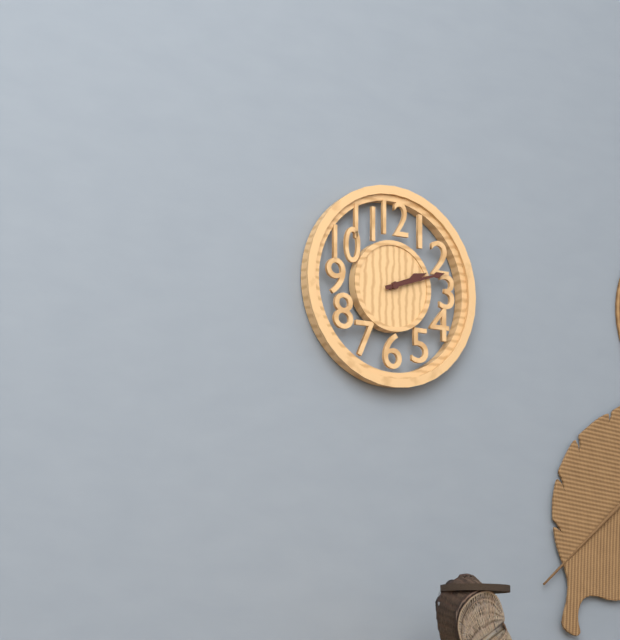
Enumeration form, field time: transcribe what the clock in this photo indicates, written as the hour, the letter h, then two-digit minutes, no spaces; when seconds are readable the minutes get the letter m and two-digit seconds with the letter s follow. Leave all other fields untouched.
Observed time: 2h12
